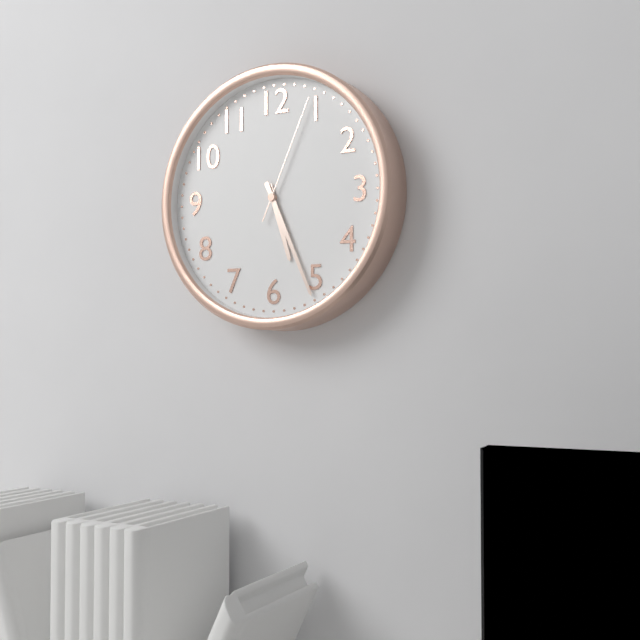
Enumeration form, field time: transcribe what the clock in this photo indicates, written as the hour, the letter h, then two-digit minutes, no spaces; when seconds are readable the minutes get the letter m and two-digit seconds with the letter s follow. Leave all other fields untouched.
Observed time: 5h26m04s
